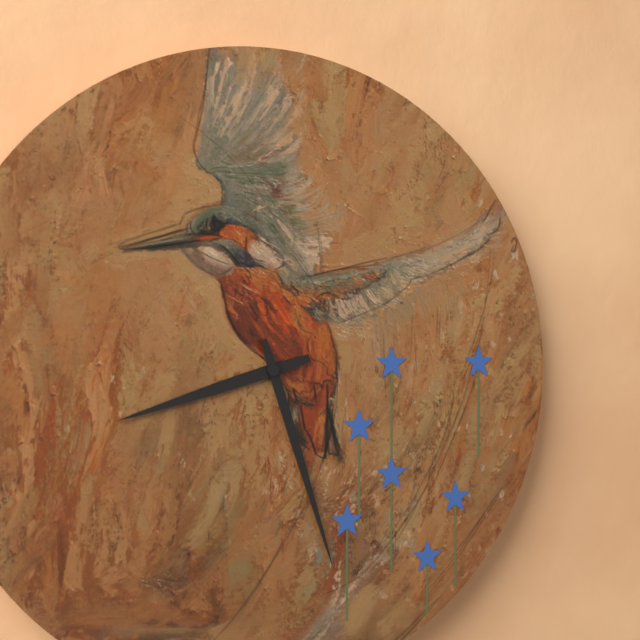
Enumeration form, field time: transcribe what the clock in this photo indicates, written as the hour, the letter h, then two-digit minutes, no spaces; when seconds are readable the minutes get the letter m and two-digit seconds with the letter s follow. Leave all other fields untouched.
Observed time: 8h27
